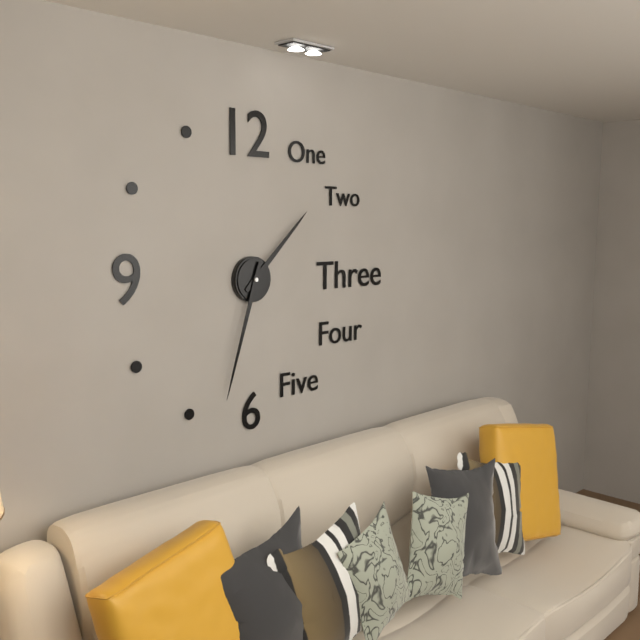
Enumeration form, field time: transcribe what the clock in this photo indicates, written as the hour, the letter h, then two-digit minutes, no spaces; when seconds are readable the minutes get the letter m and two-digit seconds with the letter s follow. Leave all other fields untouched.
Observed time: 1h33
